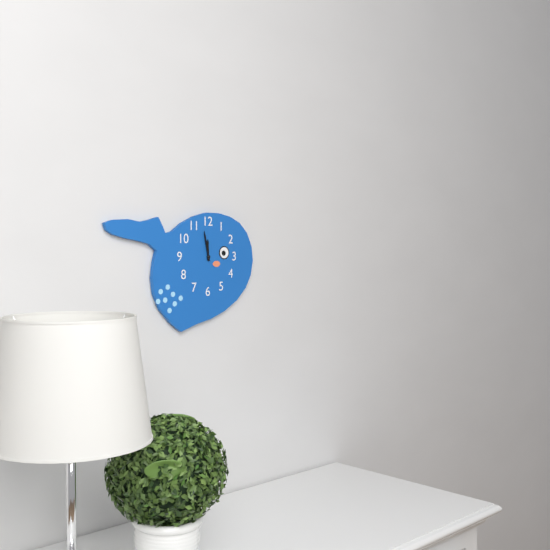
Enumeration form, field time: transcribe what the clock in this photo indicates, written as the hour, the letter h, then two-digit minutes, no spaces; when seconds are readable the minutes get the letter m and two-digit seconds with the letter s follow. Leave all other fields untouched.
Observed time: 11h58
